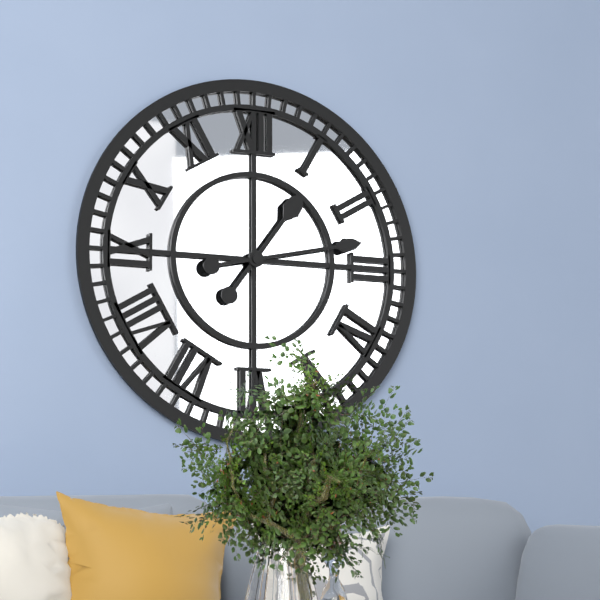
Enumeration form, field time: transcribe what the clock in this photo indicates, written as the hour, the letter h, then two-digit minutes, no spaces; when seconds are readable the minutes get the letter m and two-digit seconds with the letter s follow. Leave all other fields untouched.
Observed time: 1h13
